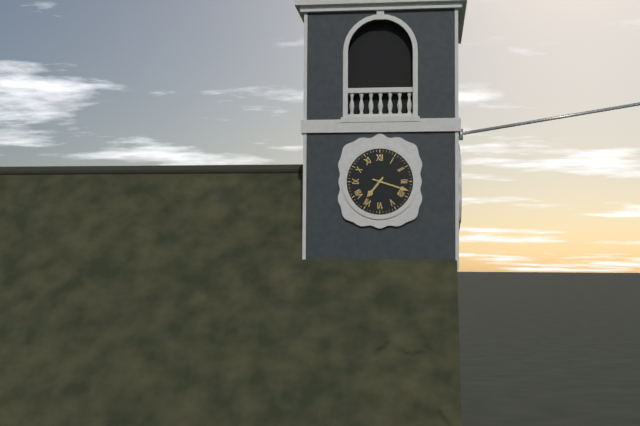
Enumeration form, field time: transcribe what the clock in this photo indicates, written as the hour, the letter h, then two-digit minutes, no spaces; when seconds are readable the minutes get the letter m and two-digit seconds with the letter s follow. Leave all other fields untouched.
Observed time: 7h18
